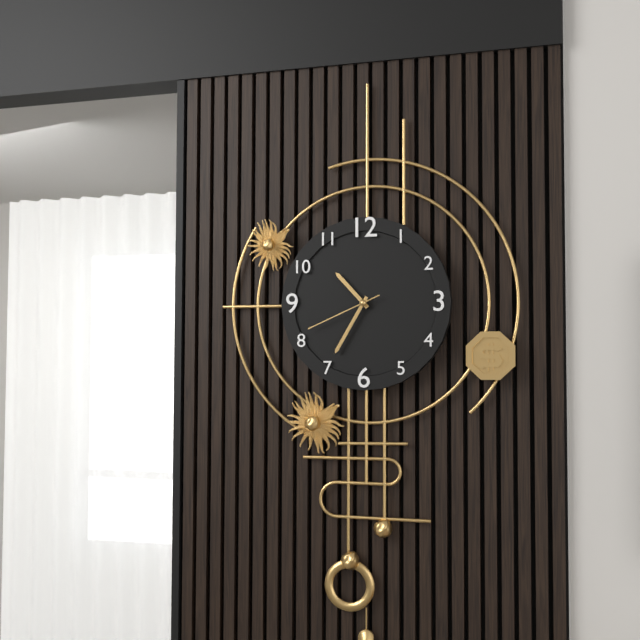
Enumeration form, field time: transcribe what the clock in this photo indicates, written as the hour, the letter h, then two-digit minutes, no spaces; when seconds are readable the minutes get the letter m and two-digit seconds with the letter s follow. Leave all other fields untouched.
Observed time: 10h35m41s
